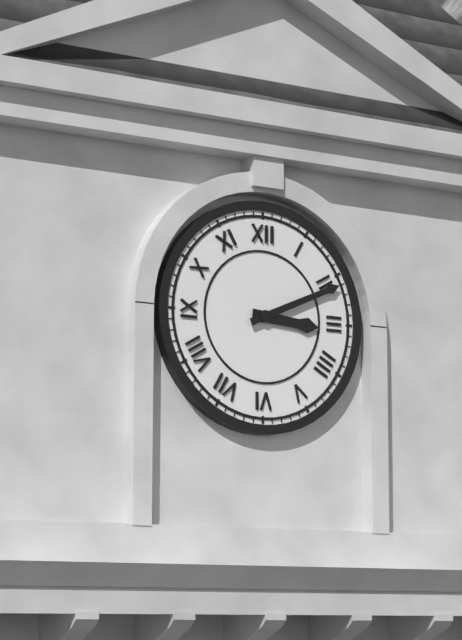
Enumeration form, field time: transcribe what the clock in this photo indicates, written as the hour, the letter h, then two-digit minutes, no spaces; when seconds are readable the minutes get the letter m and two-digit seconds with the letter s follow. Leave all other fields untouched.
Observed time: 3h11
